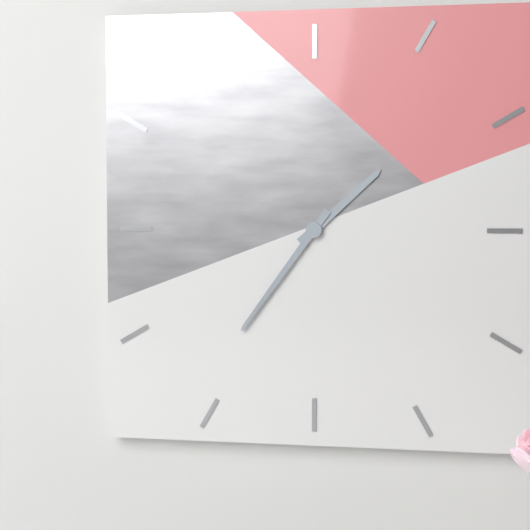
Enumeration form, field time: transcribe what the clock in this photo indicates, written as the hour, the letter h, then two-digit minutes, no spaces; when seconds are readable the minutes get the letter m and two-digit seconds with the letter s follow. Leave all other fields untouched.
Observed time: 1h36
